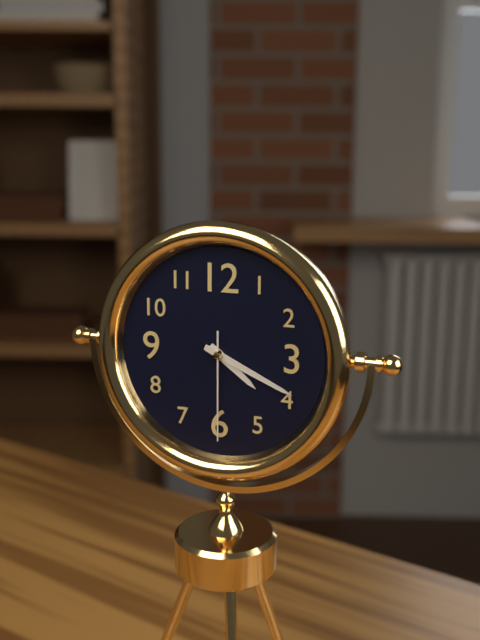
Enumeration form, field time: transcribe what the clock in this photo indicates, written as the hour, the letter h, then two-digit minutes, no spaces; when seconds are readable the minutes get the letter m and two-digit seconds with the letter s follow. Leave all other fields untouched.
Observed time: 4h19m30s
